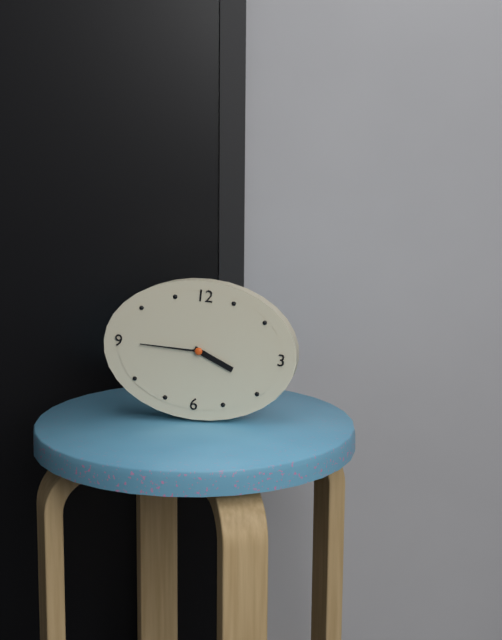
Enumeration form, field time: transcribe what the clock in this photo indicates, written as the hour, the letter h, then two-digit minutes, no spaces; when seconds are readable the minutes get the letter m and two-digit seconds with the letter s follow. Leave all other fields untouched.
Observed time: 3h45
